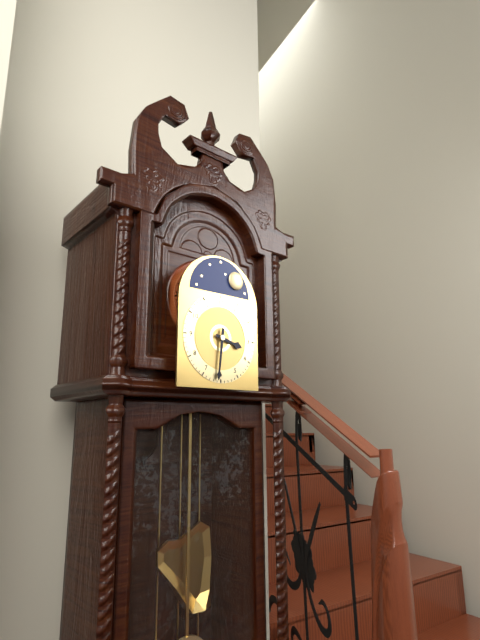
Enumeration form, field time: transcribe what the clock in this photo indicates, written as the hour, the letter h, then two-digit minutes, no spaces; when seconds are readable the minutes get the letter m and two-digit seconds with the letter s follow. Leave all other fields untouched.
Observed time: 3h31
